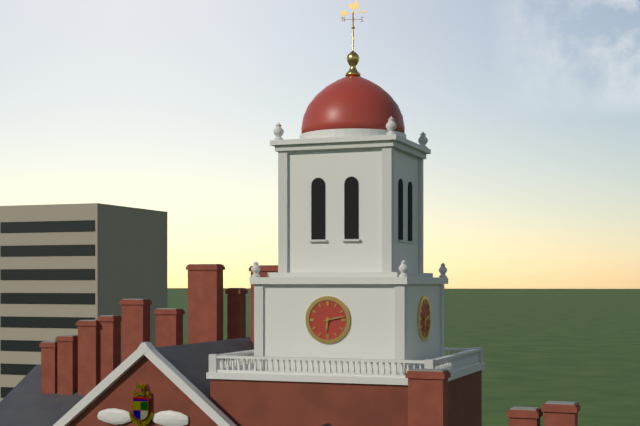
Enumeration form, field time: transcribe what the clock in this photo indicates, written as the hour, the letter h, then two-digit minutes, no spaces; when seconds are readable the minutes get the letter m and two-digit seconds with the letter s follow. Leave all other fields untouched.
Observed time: 6h13
